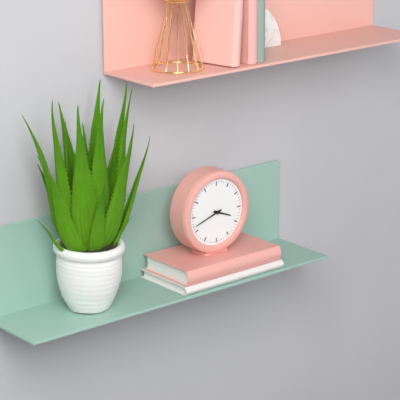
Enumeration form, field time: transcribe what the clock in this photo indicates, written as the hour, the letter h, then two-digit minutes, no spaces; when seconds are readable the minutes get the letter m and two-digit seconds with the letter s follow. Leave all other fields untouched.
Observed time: 3h42
